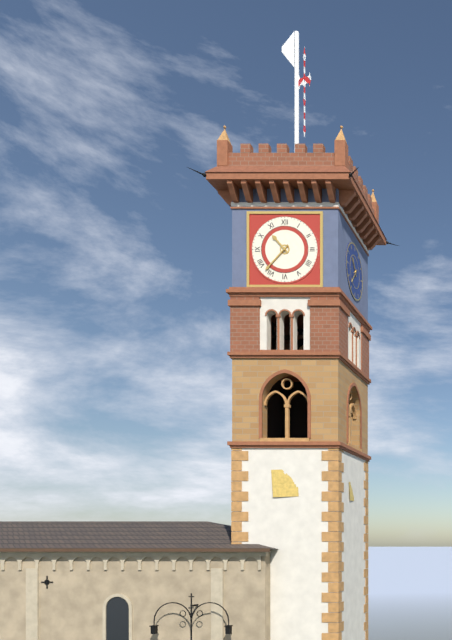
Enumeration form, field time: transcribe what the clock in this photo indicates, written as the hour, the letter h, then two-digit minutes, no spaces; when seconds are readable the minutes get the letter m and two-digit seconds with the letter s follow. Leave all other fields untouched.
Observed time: 10h37
